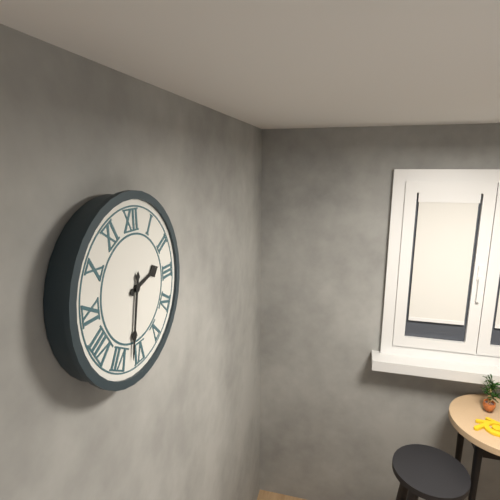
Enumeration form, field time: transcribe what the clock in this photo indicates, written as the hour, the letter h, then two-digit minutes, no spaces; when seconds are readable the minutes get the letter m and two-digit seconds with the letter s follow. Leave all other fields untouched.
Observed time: 2h32
